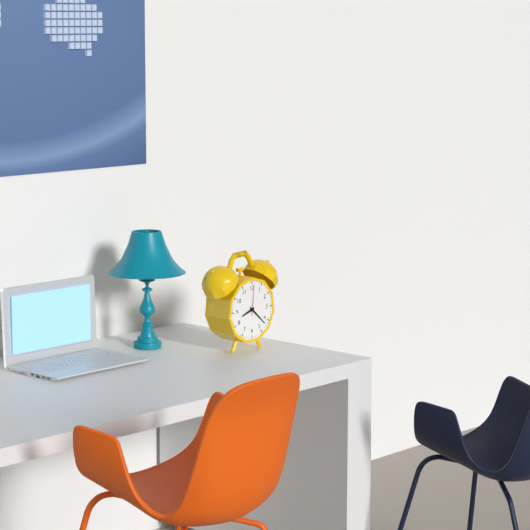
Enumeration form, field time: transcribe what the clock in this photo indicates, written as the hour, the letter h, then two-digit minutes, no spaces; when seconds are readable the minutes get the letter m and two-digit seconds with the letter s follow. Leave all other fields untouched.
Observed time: 8h22
